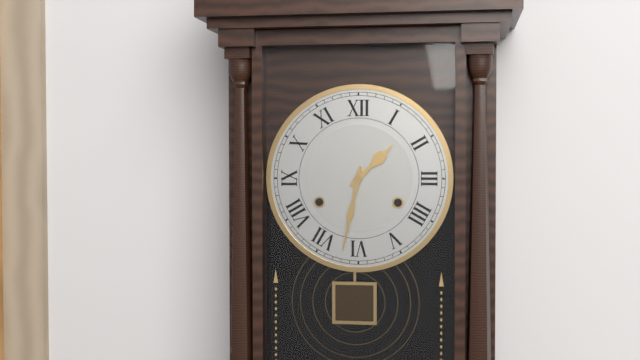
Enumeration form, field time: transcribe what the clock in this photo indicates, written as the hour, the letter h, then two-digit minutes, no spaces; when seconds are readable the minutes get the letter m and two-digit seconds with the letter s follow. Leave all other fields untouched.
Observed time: 1h32
